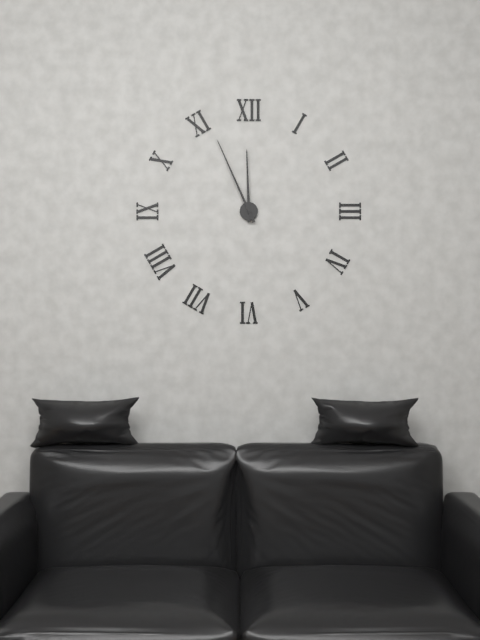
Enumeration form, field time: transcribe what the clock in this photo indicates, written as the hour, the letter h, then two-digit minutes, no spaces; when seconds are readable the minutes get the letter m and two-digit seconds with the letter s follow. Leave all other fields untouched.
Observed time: 11h56
